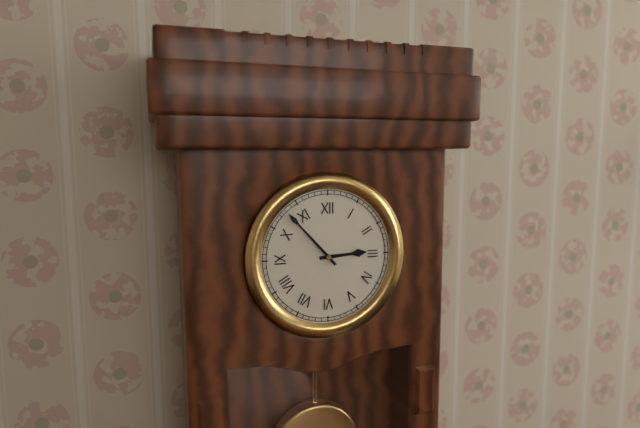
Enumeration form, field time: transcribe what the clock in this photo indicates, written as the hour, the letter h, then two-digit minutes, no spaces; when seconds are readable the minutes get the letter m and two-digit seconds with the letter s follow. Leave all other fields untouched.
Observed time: 2h53
